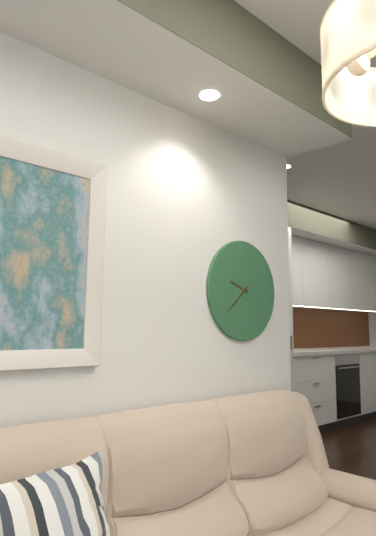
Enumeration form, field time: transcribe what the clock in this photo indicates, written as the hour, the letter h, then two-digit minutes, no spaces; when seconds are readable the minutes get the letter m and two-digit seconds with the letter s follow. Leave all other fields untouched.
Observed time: 9h38
